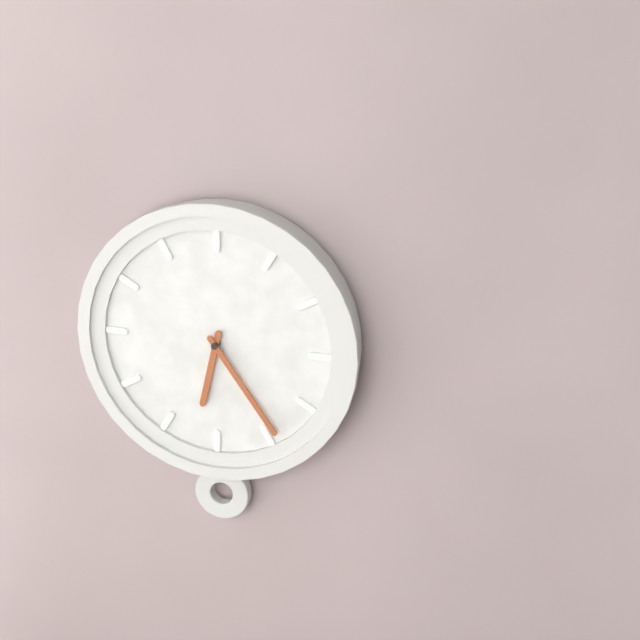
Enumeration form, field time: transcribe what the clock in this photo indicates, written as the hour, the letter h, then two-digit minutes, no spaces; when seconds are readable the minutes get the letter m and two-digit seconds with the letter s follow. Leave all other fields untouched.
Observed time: 6h24
